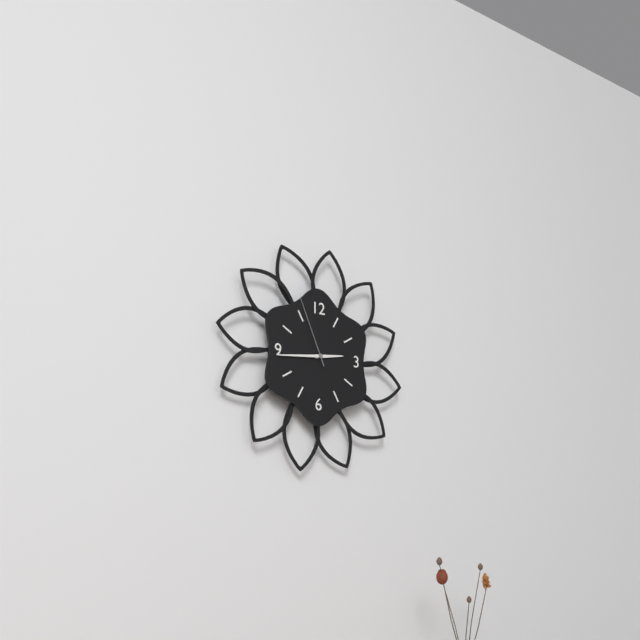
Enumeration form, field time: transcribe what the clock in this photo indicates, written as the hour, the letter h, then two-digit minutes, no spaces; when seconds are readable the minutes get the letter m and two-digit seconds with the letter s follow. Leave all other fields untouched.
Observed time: 2h44m56s
